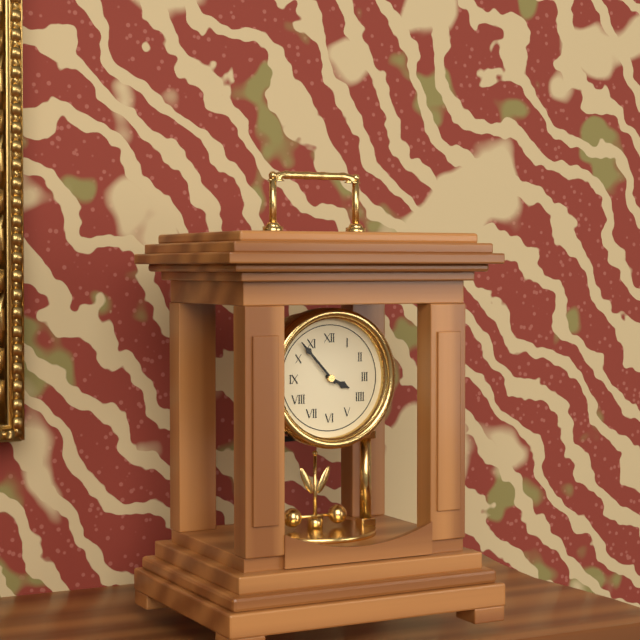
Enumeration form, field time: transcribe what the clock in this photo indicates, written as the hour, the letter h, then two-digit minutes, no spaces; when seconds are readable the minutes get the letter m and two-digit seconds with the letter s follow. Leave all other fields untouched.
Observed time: 3h53
